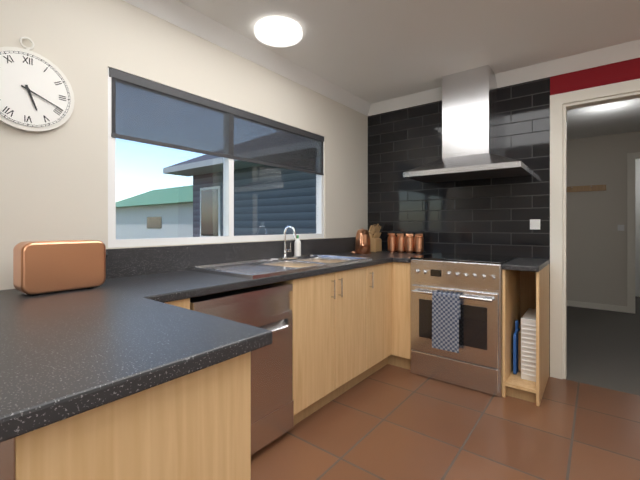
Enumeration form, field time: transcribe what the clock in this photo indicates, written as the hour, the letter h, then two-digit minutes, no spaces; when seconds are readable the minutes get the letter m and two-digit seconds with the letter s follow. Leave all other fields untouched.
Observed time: 5h19
